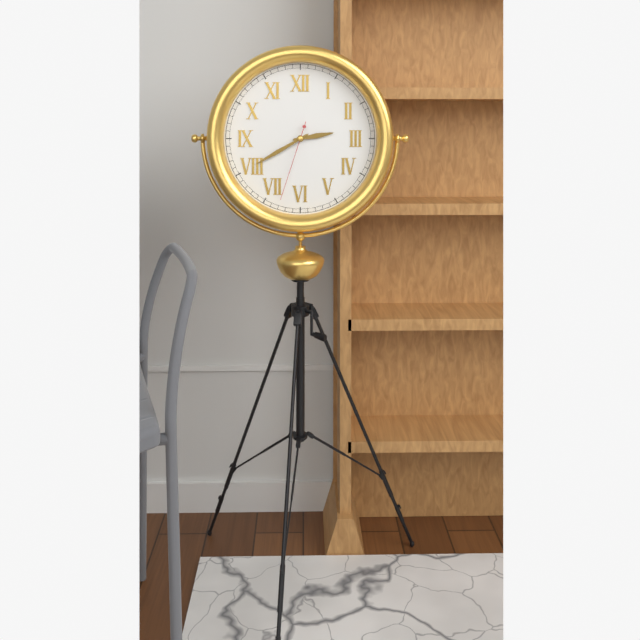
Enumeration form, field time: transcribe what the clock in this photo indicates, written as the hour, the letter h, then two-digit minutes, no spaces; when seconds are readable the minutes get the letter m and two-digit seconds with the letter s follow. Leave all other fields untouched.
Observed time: 2h40m33s
